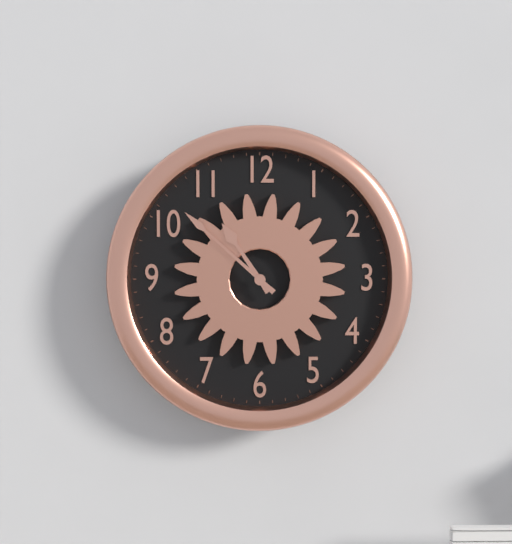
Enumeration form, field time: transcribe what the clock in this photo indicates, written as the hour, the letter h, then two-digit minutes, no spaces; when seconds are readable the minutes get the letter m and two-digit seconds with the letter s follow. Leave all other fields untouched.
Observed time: 10h52
